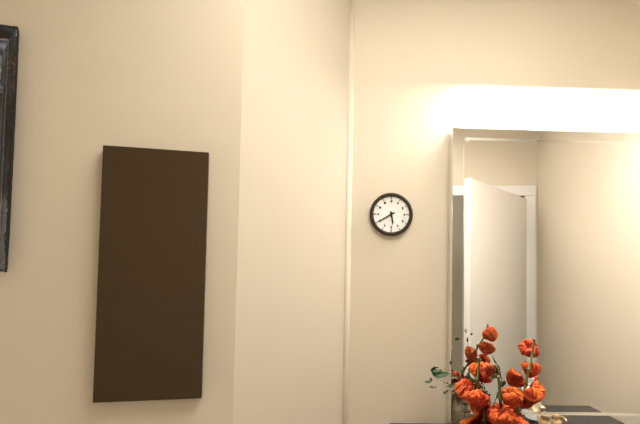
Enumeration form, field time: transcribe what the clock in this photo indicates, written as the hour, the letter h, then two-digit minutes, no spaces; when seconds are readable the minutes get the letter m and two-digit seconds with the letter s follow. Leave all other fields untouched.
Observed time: 5h40
